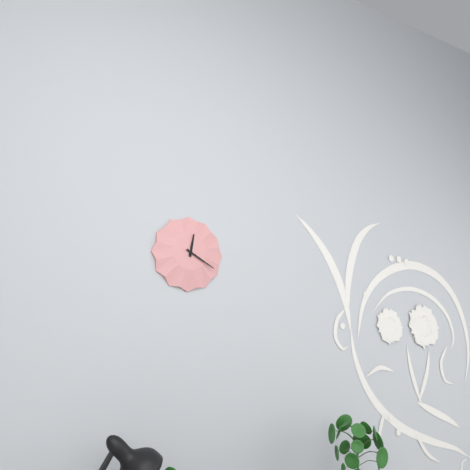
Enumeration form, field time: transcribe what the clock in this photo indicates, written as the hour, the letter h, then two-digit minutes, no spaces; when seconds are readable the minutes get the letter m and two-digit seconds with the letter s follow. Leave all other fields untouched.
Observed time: 12h20
